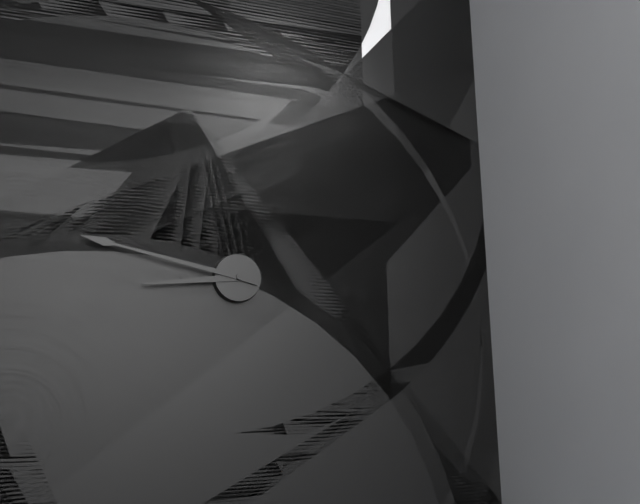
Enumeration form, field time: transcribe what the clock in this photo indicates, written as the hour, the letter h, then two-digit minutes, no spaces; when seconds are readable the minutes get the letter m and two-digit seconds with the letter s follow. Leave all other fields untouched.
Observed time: 8h47
